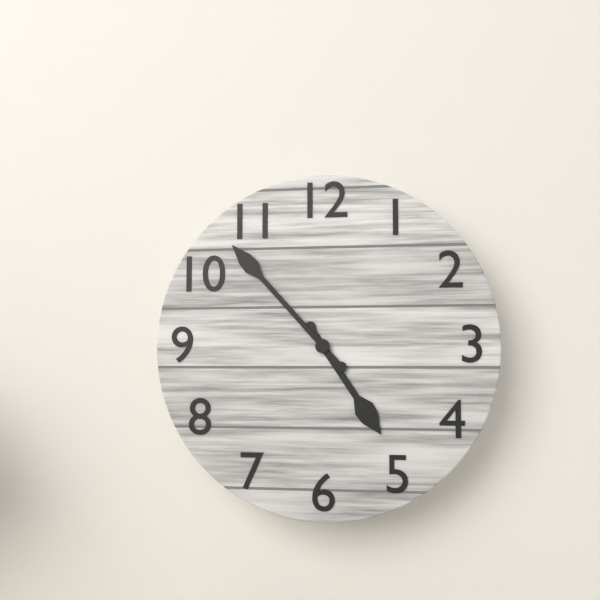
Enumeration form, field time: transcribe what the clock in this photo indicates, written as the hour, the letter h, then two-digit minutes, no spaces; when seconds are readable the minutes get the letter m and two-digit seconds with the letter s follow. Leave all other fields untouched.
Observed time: 4h53
